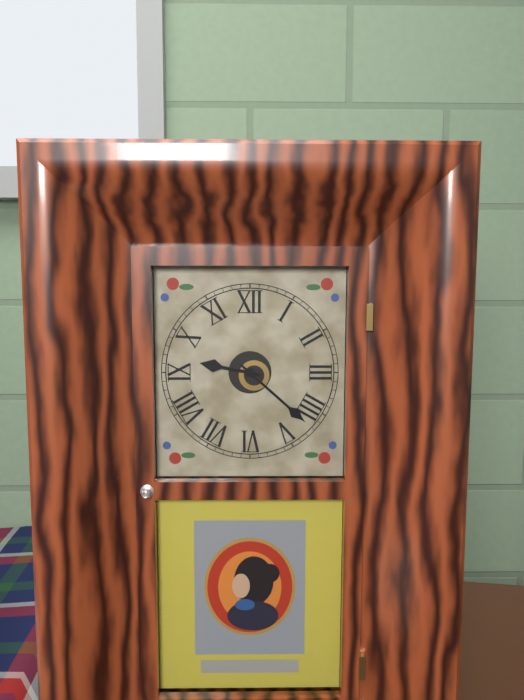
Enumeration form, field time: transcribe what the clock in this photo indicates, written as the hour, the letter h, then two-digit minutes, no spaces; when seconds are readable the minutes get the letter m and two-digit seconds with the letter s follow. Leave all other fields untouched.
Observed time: 9h22
